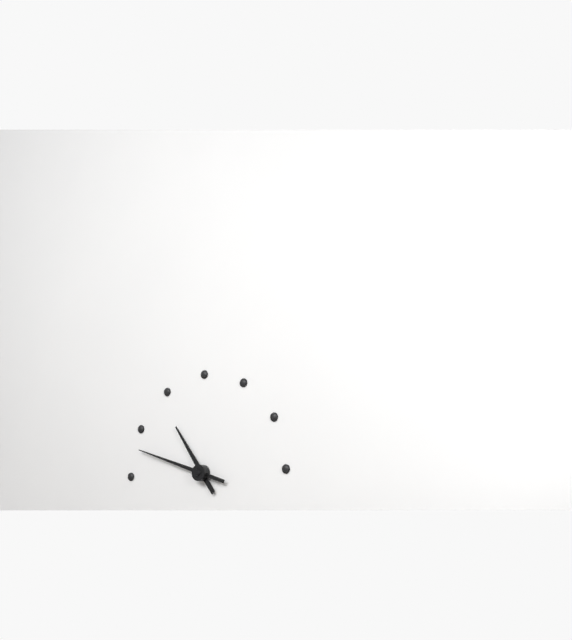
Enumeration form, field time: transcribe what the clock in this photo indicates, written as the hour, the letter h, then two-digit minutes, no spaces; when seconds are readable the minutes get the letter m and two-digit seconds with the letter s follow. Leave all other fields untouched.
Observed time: 10h48
